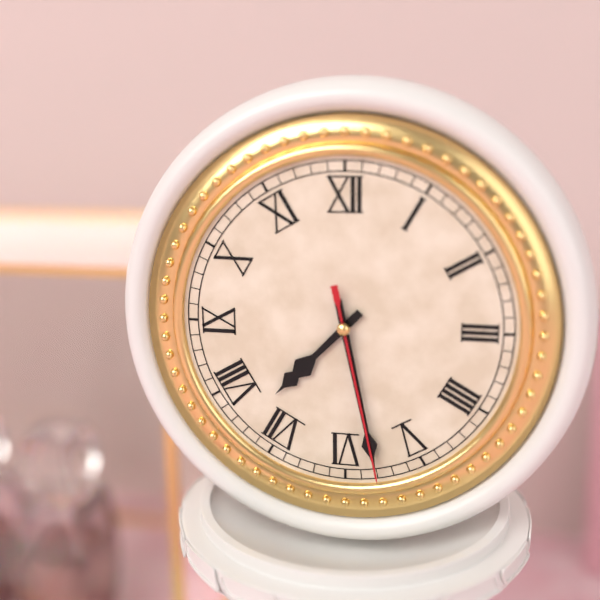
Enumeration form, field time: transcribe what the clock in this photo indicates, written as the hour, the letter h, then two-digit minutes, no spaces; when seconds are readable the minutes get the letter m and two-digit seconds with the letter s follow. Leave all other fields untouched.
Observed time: 7h28m28s
